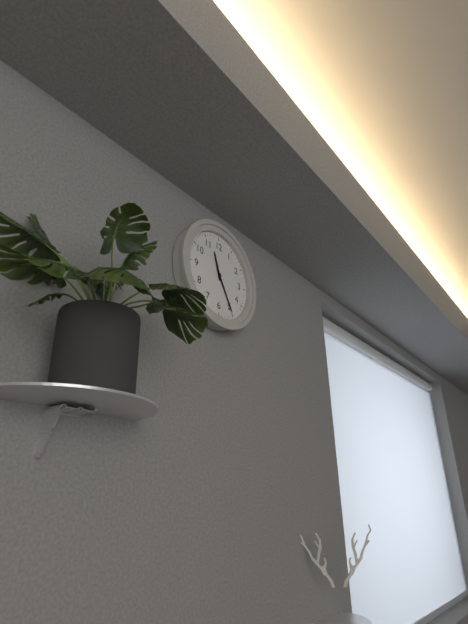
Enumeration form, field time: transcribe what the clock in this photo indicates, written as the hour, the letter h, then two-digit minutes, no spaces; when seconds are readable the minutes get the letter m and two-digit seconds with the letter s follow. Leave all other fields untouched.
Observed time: 11h25
